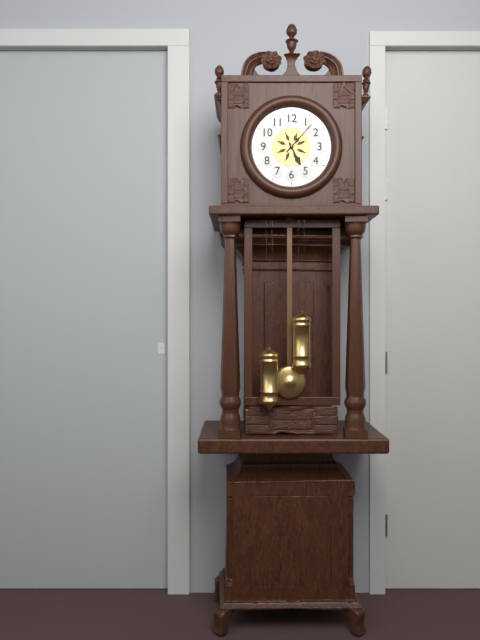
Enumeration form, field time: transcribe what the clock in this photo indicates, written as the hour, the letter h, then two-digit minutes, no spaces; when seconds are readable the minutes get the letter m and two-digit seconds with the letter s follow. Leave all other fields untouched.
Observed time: 5h07
